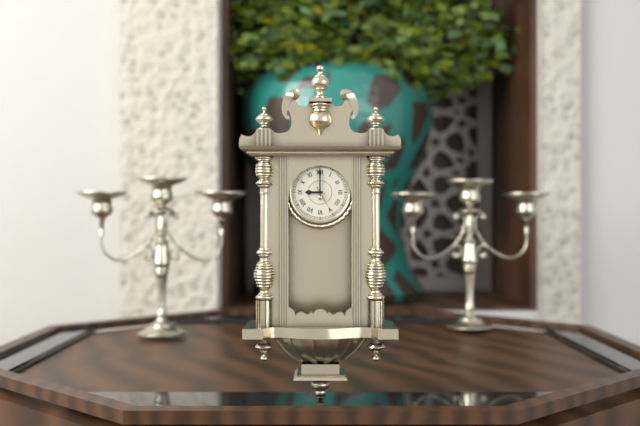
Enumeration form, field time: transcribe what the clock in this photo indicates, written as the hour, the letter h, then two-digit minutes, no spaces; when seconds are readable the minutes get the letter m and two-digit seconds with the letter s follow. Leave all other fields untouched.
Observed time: 9h00
